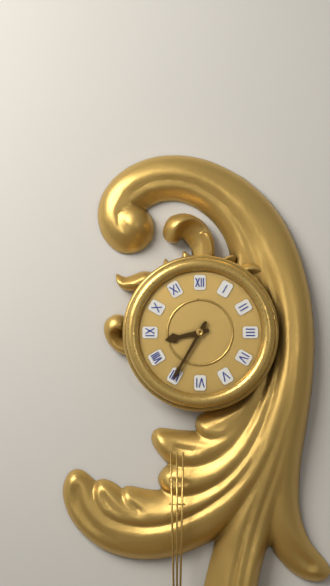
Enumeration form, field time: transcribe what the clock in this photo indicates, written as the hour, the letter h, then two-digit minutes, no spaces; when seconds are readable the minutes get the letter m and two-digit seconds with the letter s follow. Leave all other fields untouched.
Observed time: 8h35
